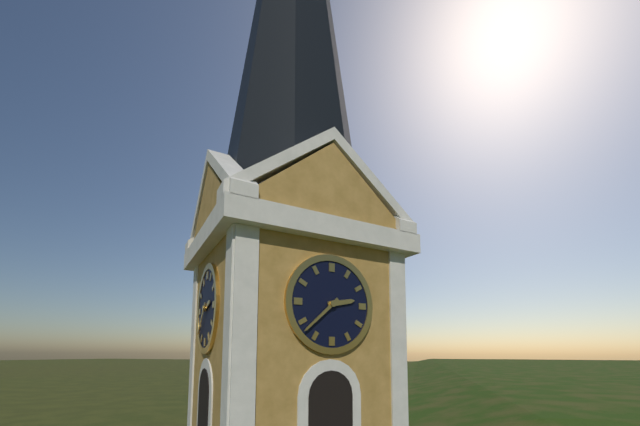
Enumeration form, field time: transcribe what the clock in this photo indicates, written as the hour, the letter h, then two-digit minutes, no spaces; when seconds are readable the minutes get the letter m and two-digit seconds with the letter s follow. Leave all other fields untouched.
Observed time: 2h38
